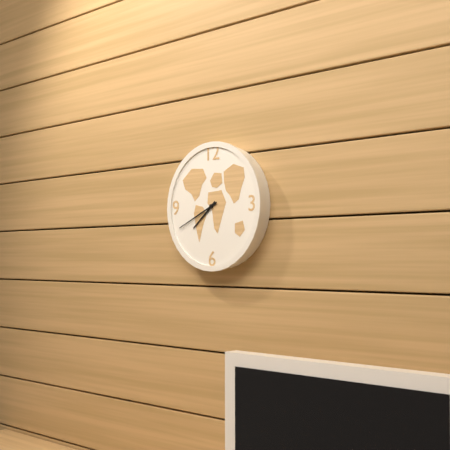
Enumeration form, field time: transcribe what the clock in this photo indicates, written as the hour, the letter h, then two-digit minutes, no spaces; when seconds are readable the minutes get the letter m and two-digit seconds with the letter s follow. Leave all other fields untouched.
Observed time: 7h41
